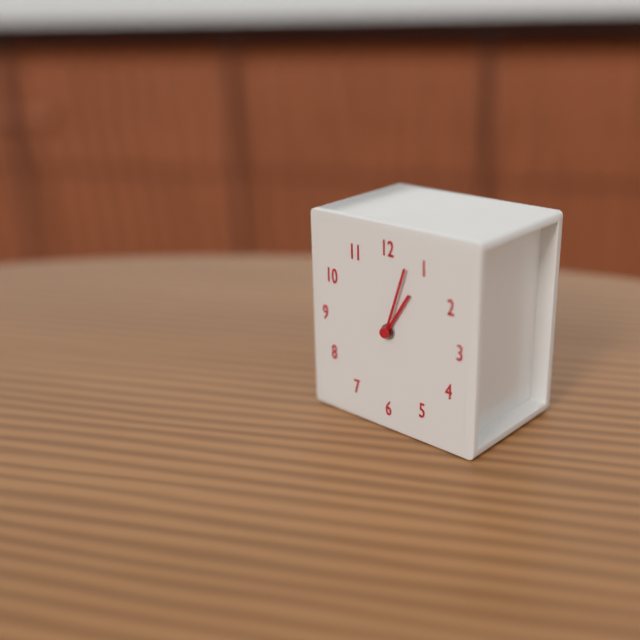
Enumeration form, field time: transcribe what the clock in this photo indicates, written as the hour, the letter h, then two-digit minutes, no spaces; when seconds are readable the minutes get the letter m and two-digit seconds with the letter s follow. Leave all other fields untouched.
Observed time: 1h03
